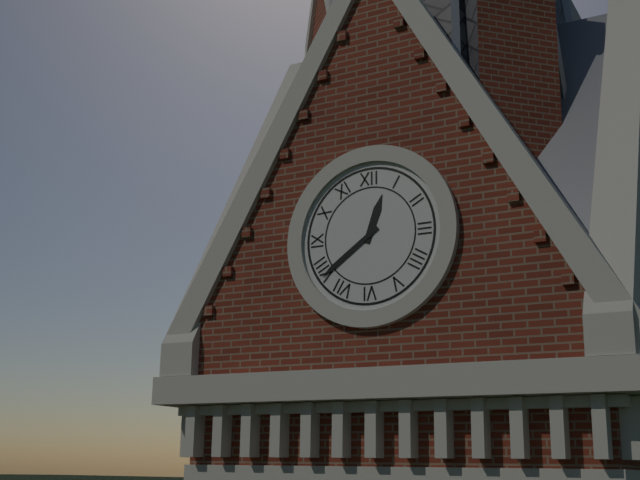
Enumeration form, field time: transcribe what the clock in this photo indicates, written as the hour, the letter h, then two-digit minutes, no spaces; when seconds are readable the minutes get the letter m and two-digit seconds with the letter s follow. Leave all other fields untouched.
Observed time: 12h39
